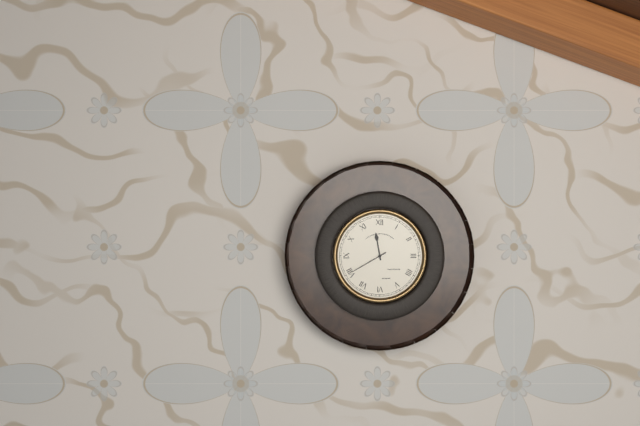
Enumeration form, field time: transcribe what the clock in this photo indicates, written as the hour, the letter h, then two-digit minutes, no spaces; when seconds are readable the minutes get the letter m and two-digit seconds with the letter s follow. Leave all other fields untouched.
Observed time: 11h40
